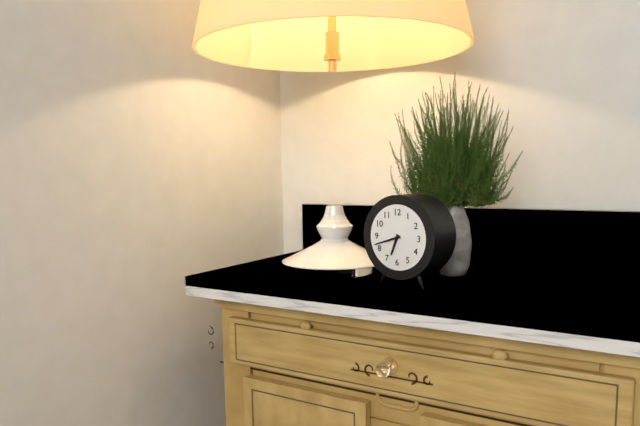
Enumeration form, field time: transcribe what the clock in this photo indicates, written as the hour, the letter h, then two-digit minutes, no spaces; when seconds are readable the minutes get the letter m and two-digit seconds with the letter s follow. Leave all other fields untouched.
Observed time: 6h42
